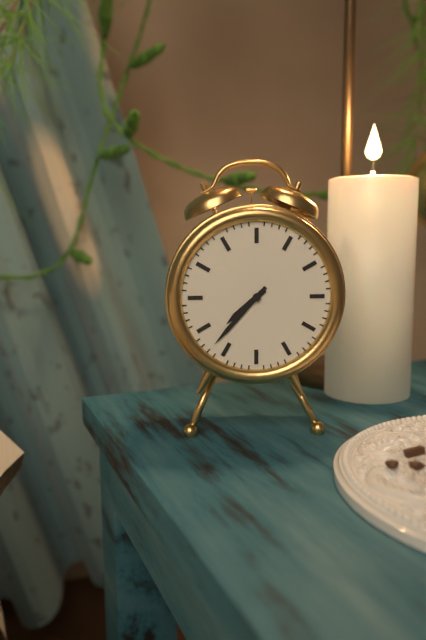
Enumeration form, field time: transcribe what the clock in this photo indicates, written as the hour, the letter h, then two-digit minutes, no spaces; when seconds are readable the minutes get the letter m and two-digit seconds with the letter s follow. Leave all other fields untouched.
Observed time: 7h37
